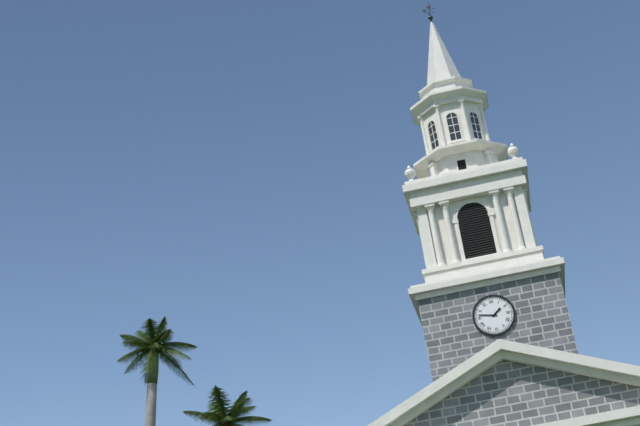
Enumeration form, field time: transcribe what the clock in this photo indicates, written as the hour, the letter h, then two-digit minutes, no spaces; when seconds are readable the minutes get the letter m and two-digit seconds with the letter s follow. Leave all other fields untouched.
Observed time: 1h47
